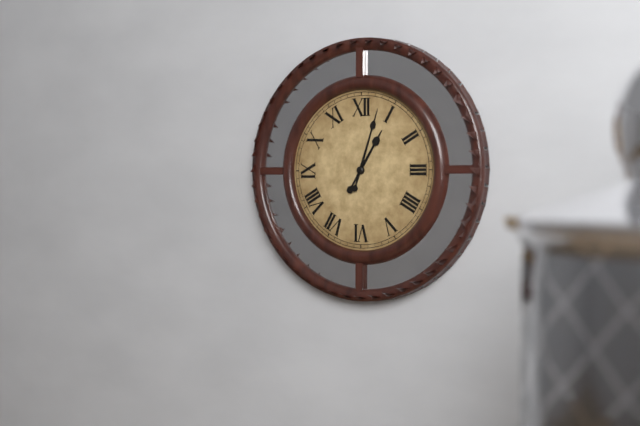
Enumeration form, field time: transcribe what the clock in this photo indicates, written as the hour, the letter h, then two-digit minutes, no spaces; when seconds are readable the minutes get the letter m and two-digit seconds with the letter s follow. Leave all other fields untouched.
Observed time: 1h03
